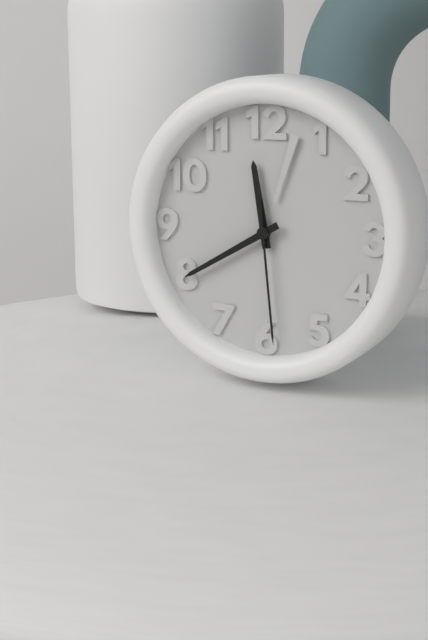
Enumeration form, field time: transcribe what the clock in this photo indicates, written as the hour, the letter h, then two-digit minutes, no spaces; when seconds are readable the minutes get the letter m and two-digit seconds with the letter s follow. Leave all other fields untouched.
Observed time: 11h40m29s
